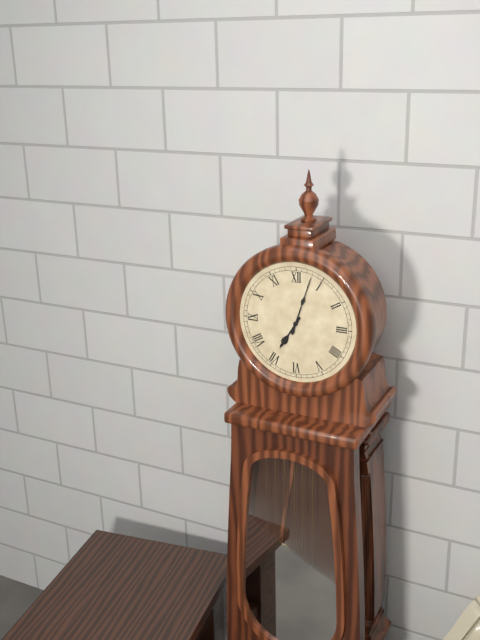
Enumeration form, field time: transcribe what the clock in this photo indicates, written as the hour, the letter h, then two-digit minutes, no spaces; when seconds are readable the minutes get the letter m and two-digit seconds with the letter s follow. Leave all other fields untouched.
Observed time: 7h03
